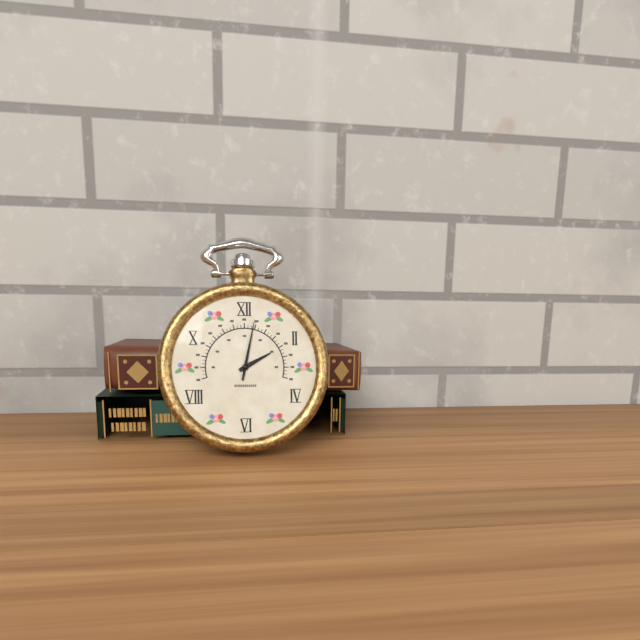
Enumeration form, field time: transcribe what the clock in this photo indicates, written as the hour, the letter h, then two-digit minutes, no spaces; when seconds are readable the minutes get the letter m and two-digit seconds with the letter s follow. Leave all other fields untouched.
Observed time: 2h02
